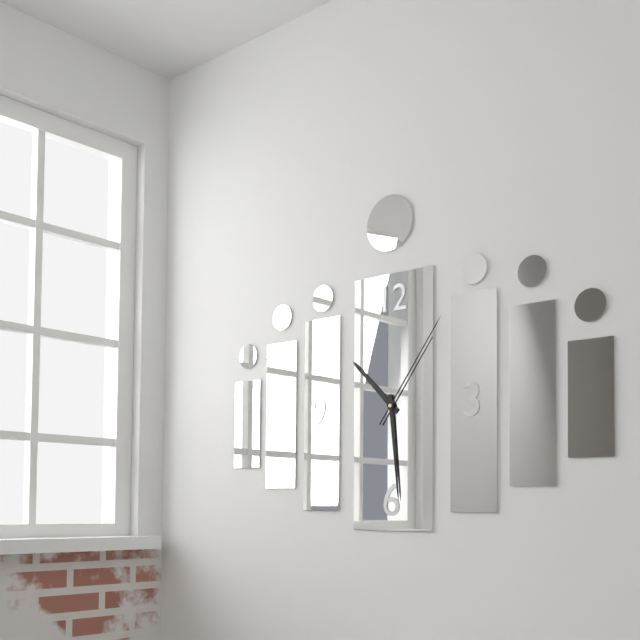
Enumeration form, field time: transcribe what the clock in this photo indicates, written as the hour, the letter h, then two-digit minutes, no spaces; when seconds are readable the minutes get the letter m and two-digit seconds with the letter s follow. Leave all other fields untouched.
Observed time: 10h29m06s
